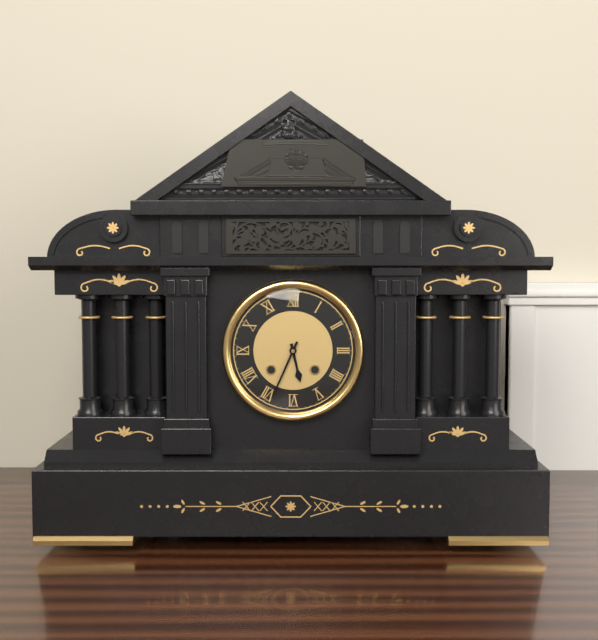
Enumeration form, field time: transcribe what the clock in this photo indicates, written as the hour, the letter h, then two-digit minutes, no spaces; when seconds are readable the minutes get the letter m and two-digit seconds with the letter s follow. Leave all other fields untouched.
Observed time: 5h34
